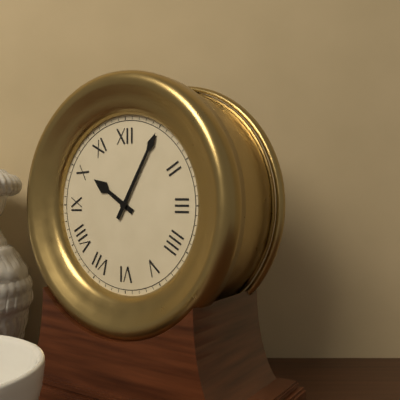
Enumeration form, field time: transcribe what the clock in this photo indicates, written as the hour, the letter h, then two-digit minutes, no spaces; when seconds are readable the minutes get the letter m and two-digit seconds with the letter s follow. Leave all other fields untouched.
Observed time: 10h05
